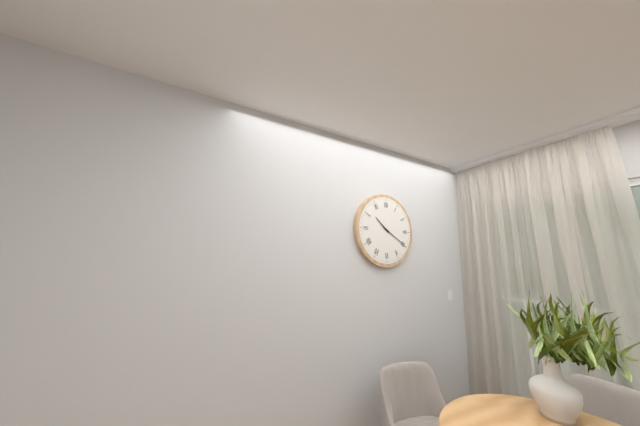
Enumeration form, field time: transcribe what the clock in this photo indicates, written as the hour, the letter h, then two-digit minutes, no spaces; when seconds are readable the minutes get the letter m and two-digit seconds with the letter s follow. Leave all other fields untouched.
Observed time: 10h20
